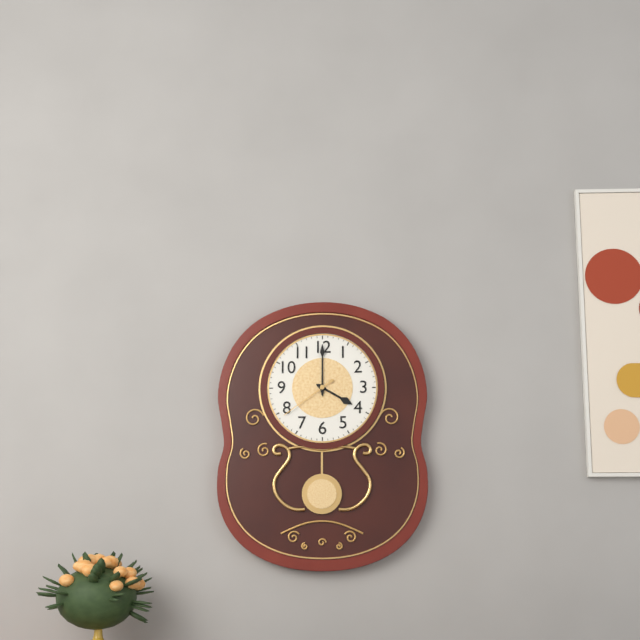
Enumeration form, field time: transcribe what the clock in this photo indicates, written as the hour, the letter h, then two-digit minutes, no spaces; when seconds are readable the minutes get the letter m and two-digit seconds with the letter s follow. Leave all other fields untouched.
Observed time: 4h00m39s
